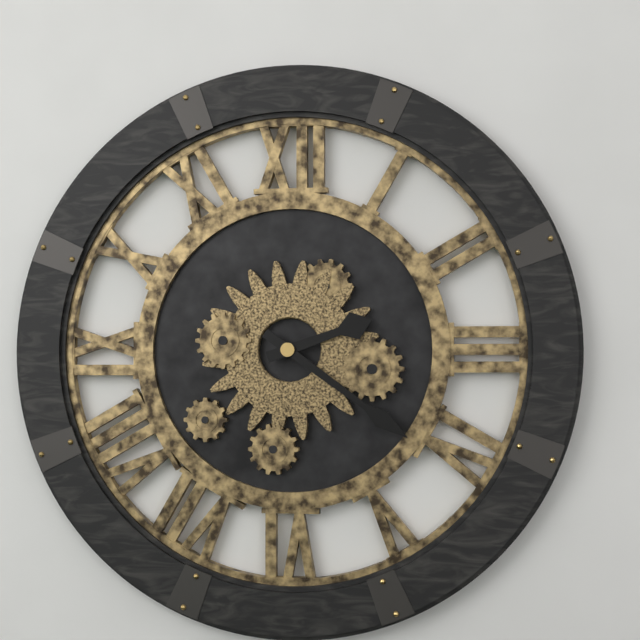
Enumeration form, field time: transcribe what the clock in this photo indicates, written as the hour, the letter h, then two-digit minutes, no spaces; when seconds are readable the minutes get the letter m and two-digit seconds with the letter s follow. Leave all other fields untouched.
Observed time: 2h21
